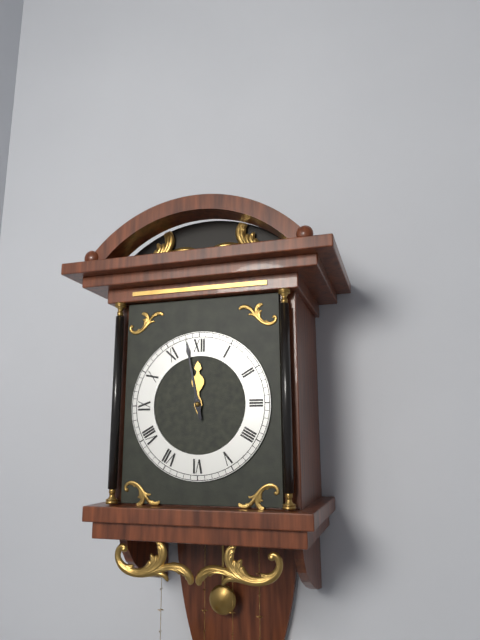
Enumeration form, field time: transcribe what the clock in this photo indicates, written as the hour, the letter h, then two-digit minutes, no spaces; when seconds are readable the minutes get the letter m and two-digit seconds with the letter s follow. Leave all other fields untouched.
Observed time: 11h58
